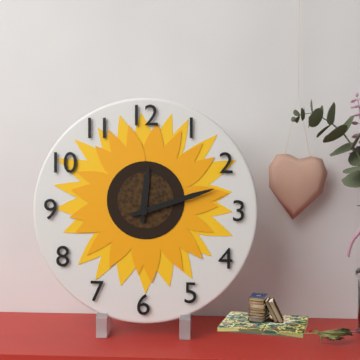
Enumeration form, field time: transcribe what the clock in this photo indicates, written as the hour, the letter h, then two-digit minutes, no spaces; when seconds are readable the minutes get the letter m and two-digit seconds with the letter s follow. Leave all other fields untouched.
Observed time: 12h12
